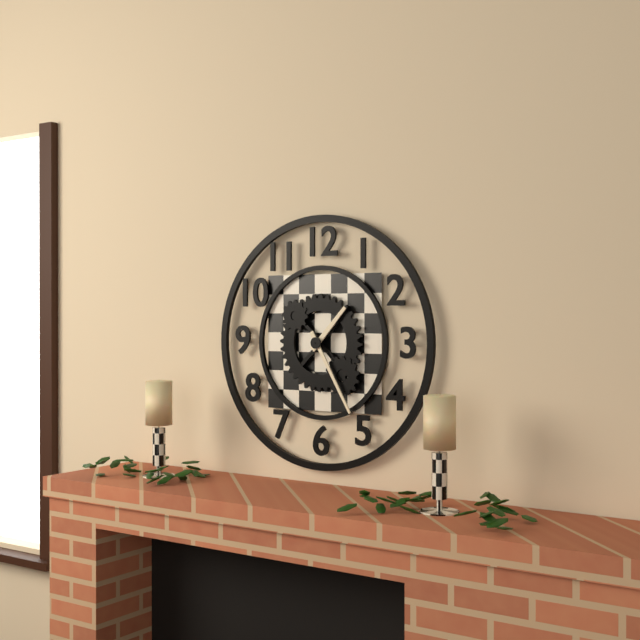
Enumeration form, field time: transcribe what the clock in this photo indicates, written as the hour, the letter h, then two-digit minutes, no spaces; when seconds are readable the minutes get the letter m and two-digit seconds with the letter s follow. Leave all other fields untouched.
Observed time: 1h25
